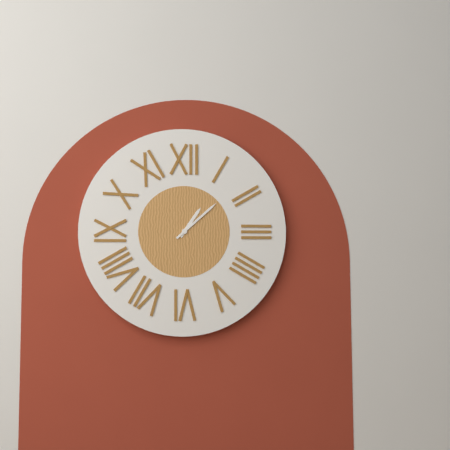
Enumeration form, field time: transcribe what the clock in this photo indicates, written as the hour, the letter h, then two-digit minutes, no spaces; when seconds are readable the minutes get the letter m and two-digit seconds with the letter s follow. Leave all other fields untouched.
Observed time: 1h08
